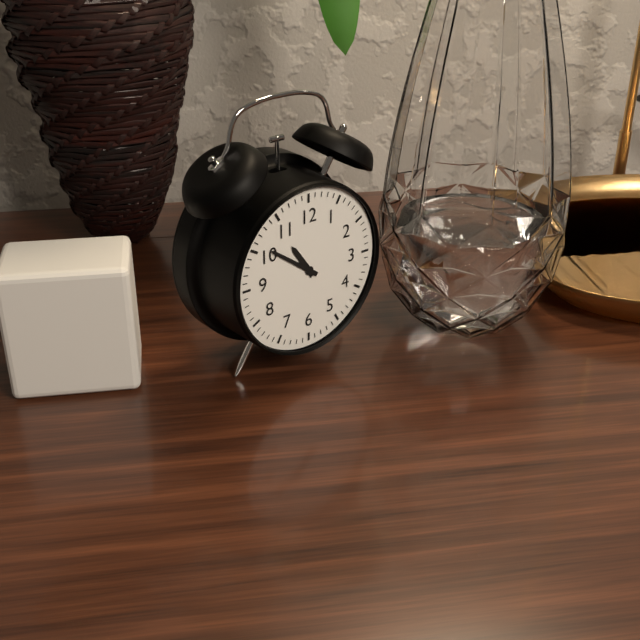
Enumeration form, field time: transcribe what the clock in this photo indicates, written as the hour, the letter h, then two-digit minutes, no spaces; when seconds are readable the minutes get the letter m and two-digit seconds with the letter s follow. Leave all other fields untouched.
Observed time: 10h51
